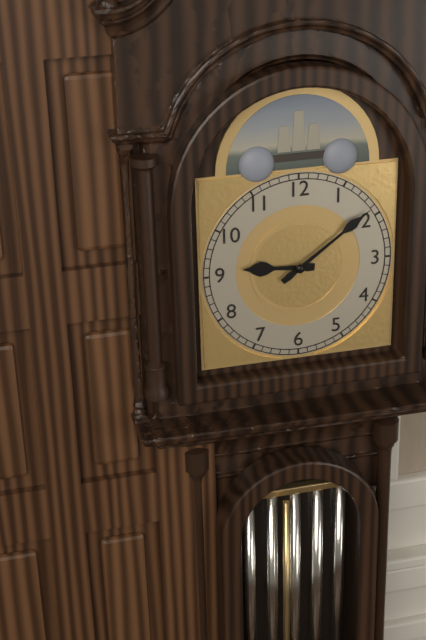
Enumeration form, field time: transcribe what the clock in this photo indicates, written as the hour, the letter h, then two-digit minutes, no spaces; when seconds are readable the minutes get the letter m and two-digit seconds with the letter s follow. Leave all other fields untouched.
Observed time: 9h09
